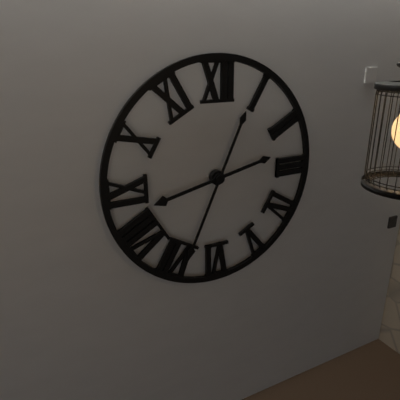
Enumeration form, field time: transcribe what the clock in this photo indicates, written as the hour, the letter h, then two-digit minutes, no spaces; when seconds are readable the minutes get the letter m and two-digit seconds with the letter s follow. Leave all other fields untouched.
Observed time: 8h34
